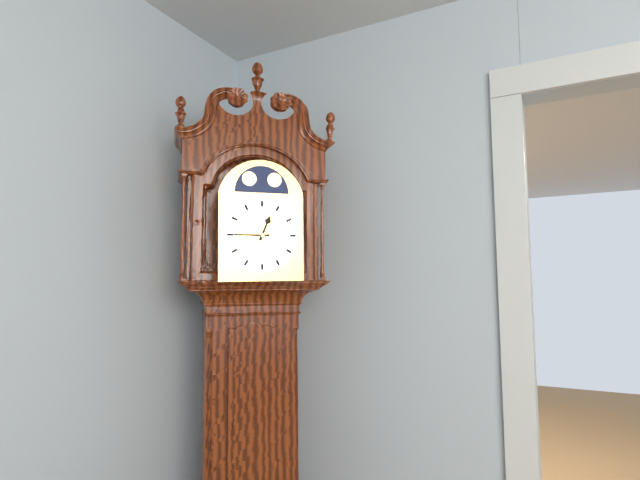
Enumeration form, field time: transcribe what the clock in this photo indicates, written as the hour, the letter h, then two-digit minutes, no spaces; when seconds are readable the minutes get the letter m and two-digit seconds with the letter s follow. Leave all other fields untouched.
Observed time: 12h45
